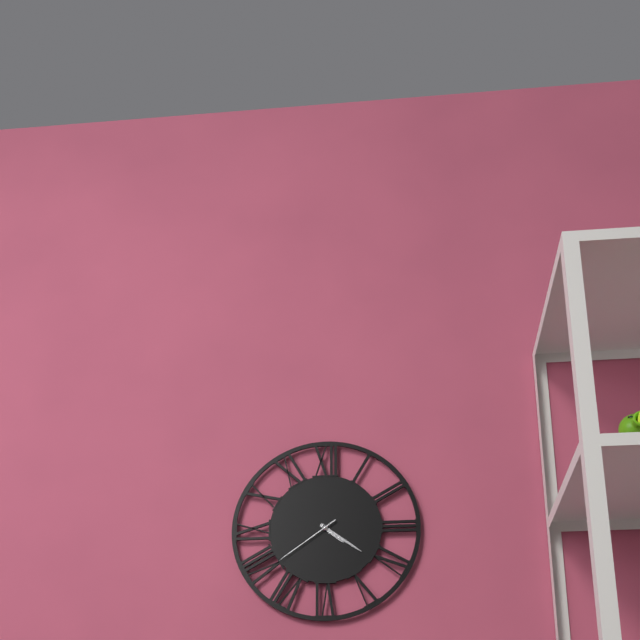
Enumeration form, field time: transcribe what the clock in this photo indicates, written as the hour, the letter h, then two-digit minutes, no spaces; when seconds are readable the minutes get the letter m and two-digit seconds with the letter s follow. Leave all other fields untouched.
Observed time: 4h21m39s
